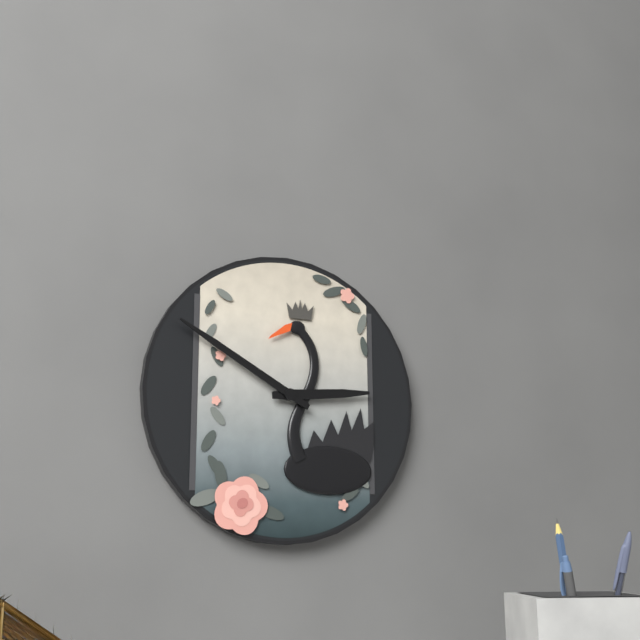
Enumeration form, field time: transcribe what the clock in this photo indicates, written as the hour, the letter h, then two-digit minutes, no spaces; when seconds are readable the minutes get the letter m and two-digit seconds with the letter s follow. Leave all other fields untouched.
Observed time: 2h50
